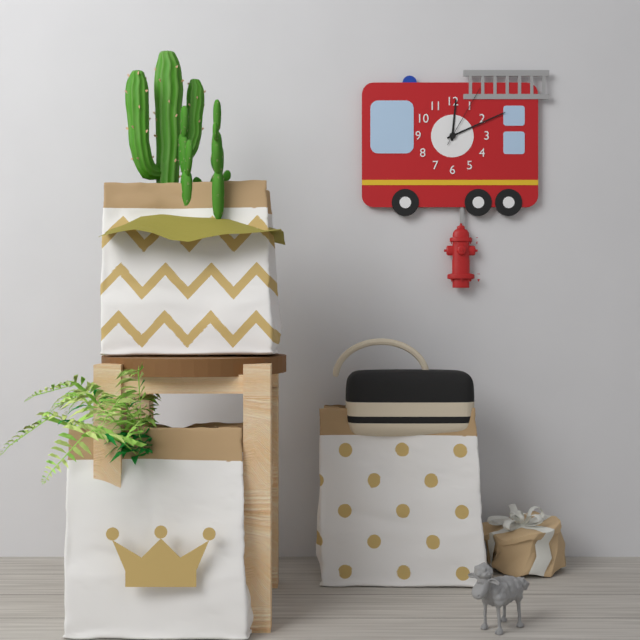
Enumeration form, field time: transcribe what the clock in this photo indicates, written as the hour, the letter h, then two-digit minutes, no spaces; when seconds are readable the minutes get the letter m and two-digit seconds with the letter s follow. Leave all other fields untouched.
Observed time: 12h11m05s
